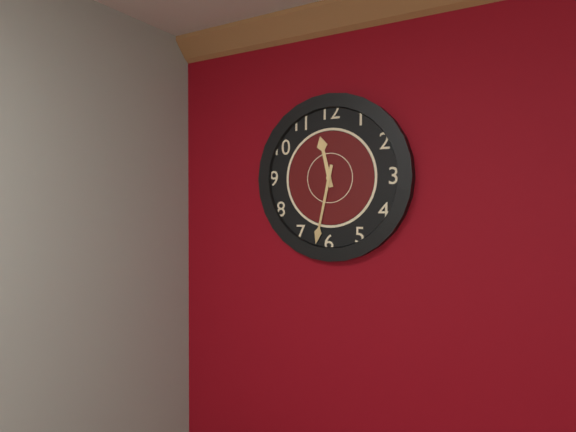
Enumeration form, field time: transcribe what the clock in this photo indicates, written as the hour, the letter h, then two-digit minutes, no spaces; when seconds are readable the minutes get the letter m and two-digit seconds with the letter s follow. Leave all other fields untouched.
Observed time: 11h32
